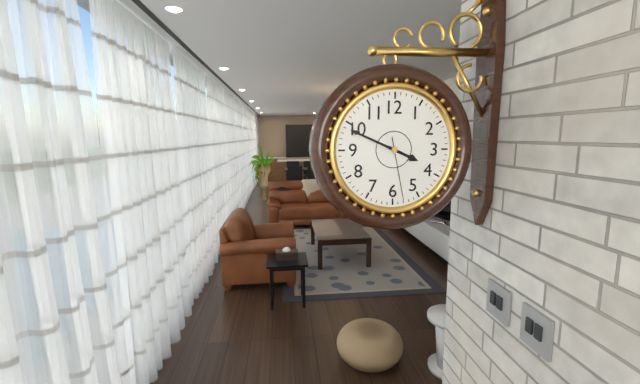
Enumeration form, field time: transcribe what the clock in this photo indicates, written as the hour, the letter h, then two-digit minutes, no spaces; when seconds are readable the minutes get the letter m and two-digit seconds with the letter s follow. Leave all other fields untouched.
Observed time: 3h49m28s
